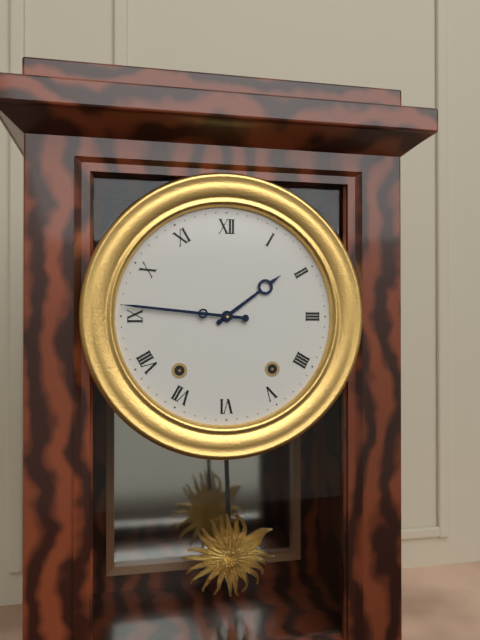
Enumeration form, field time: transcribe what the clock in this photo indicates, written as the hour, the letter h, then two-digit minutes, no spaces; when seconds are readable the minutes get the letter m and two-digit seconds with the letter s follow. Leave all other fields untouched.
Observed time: 1h46
